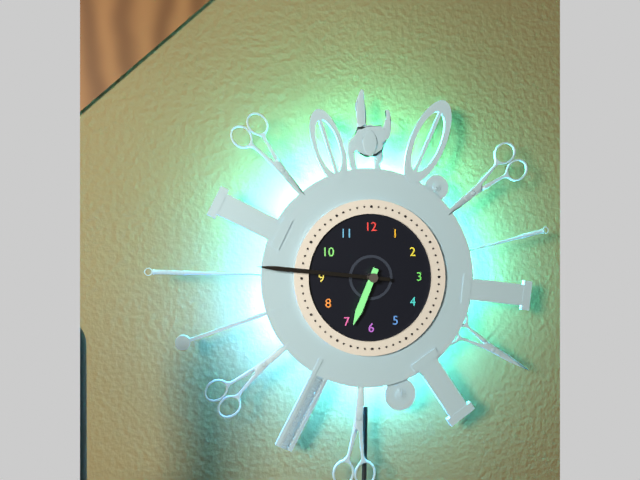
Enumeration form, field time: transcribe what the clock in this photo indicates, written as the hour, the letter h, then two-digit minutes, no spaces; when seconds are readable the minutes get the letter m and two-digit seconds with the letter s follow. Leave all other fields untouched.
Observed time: 6h46
